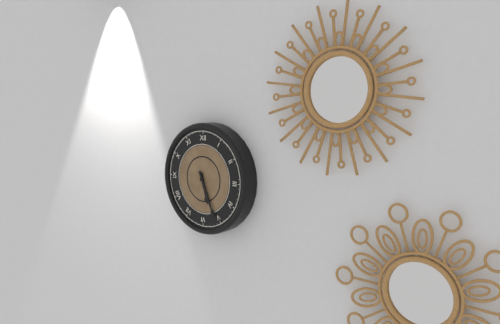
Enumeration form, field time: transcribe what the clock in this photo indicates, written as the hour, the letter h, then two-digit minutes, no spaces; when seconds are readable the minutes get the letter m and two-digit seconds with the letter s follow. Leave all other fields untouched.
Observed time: 5h26
